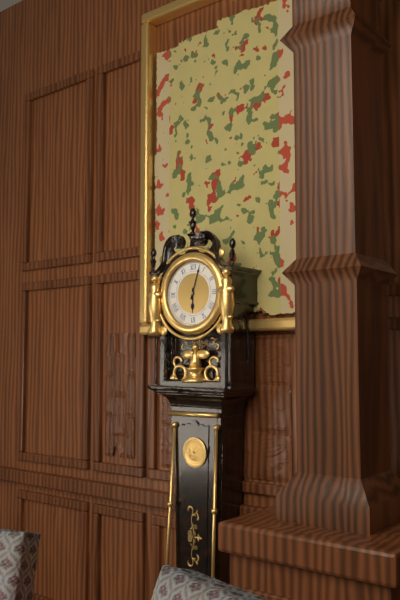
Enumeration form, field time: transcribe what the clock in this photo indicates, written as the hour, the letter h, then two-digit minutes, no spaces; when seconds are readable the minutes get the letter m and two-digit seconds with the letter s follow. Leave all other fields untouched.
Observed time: 6h03
